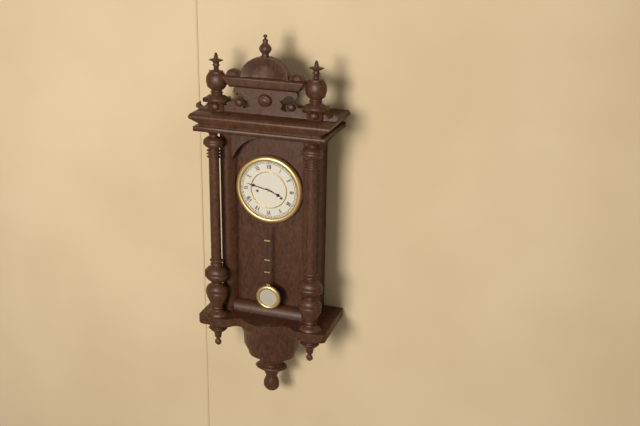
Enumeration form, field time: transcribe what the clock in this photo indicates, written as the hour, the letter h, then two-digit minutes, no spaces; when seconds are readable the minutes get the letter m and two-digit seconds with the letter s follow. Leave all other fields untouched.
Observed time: 3h47
